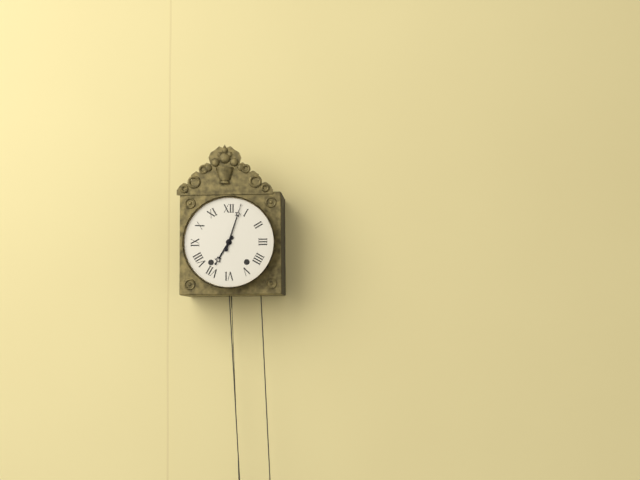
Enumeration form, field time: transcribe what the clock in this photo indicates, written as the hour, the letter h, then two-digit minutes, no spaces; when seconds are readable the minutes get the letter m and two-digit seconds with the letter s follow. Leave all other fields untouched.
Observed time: 7h03
